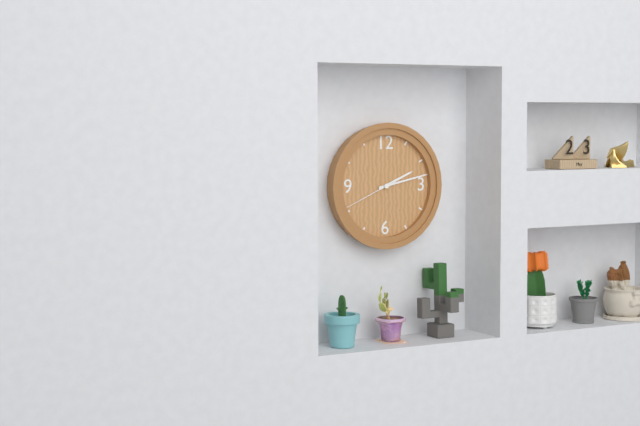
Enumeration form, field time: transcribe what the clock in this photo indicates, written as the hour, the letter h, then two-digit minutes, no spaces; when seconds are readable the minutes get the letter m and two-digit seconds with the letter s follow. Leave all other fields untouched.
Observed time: 2h13m41s
